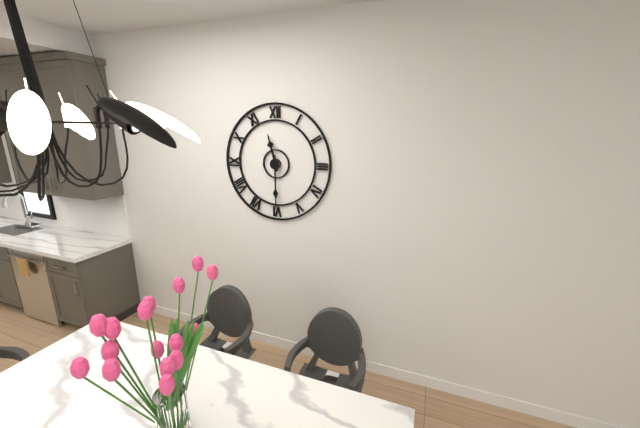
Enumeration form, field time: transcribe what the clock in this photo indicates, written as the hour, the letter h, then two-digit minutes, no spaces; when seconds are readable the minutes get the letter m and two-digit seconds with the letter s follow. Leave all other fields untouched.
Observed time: 11h30
